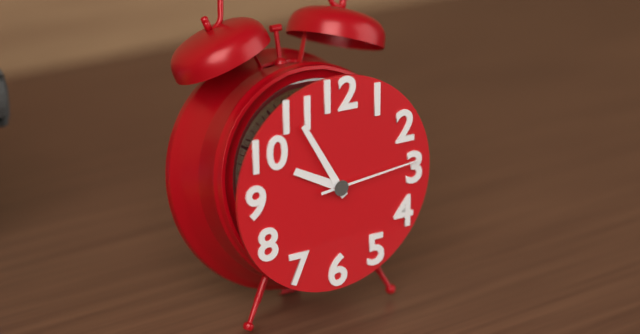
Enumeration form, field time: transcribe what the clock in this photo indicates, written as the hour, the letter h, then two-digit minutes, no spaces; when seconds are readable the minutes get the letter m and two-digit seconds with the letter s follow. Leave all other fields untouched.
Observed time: 9h55m14s
